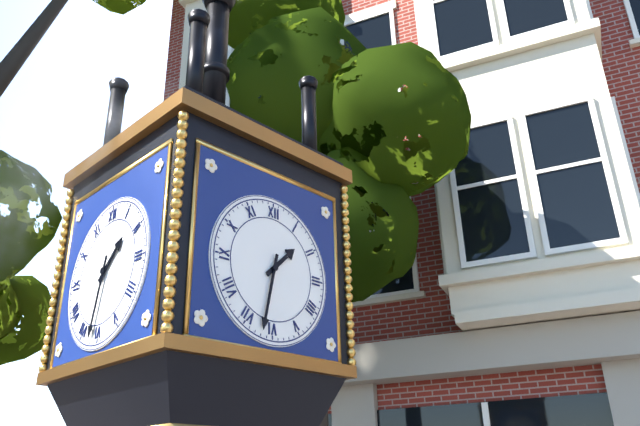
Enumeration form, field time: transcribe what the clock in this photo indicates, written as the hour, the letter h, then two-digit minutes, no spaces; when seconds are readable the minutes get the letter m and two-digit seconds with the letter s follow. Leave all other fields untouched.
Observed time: 1h32
